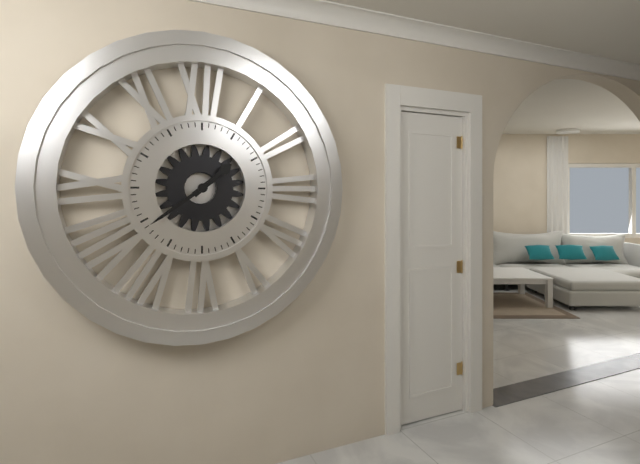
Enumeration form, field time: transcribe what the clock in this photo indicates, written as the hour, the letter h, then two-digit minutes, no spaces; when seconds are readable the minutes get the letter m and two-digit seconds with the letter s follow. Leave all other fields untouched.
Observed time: 1h39
